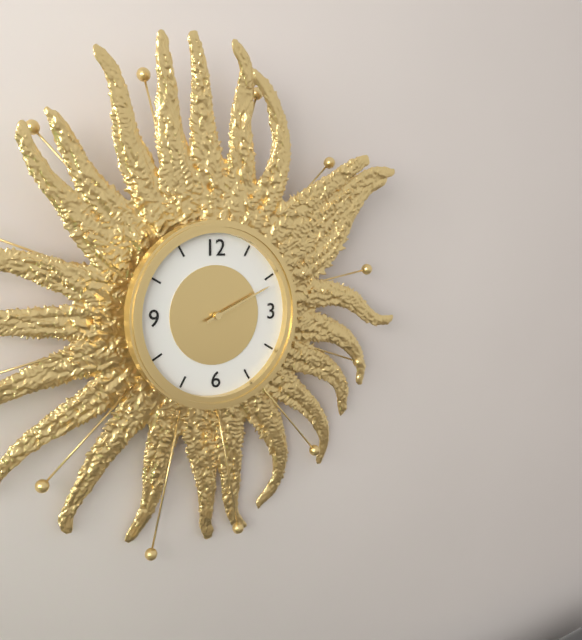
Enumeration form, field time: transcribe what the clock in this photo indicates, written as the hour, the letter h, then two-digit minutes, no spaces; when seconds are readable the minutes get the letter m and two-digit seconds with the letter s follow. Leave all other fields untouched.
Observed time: 2h11
